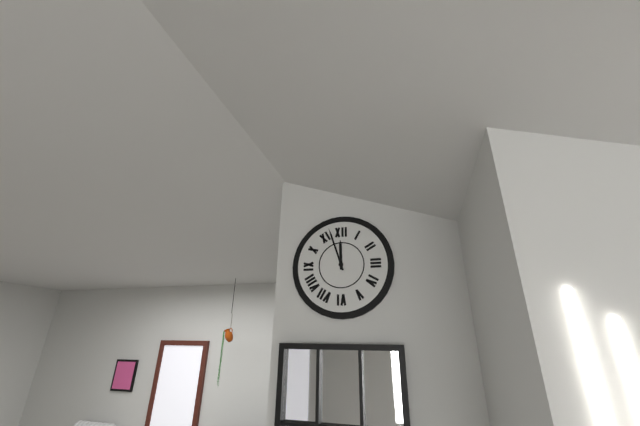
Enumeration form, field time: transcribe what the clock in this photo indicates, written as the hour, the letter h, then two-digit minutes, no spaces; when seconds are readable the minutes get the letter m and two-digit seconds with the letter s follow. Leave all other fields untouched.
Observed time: 11h57
